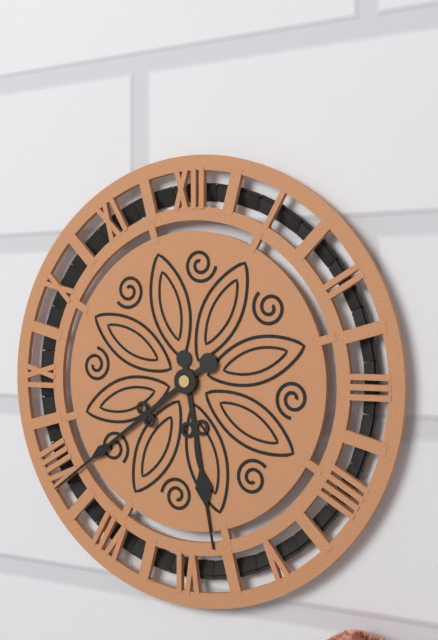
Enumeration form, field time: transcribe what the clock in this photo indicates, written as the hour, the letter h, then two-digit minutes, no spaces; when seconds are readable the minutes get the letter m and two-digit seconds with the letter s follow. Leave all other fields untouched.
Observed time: 5h39
